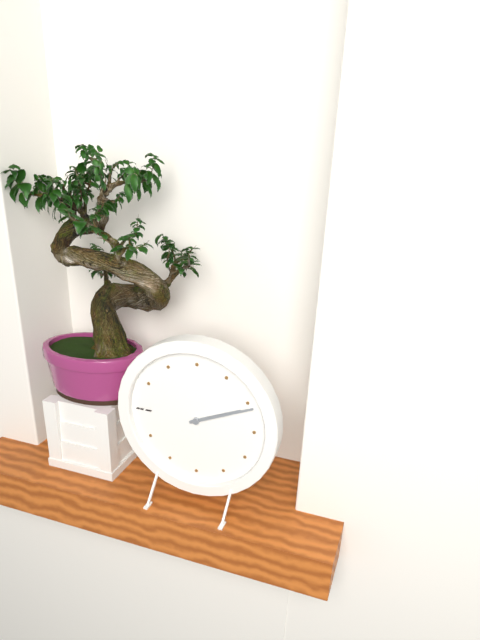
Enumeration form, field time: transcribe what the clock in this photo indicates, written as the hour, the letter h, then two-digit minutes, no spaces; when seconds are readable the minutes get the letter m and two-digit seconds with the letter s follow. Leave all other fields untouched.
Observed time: 2h11
